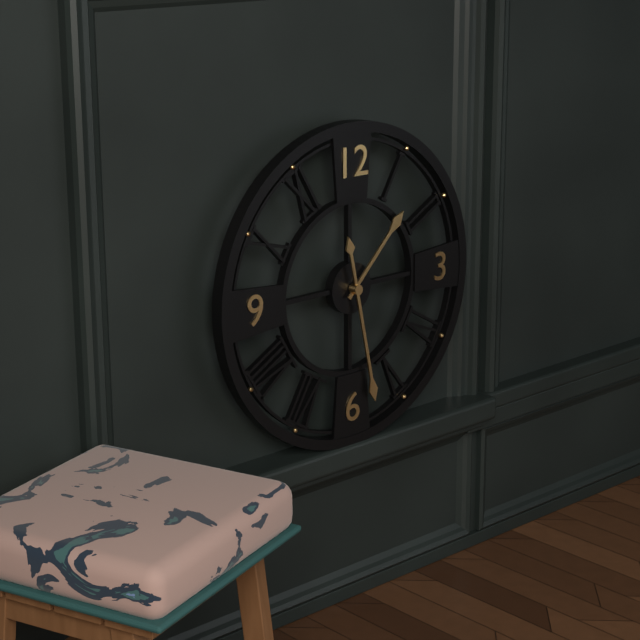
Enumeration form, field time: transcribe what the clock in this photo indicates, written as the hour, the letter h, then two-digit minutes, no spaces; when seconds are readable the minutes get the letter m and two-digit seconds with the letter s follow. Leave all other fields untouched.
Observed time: 1h28
